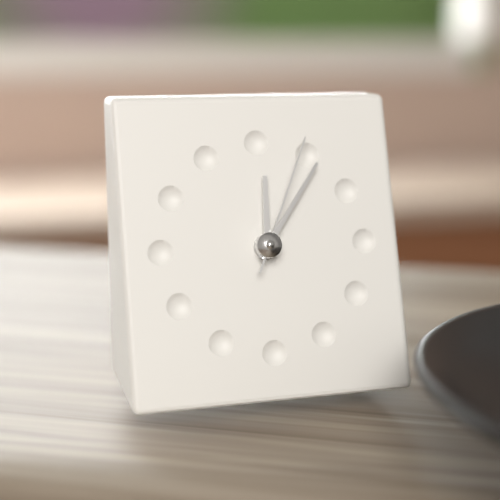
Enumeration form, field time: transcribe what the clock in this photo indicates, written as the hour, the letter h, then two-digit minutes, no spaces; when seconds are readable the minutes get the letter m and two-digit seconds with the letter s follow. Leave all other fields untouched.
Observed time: 12h06m04s
